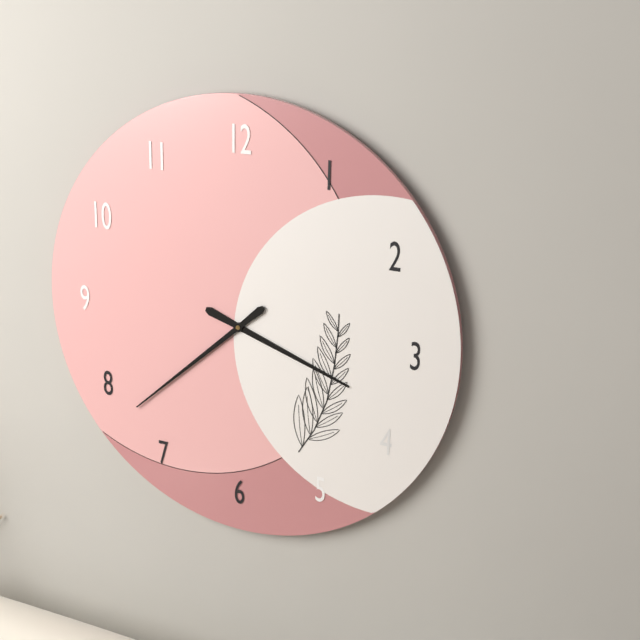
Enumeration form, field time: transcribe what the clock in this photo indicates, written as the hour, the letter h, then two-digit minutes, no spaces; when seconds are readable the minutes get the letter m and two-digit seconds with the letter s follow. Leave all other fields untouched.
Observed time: 3h38
